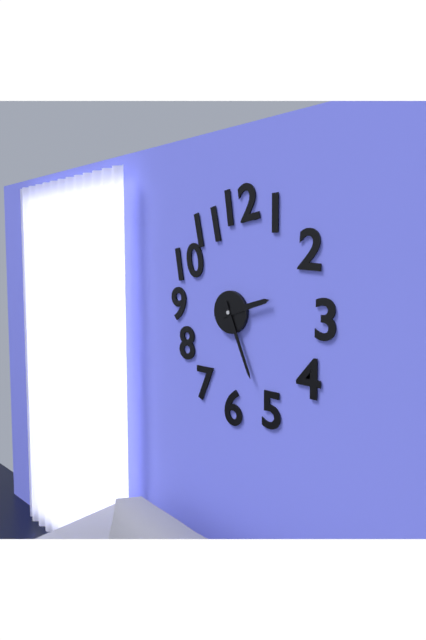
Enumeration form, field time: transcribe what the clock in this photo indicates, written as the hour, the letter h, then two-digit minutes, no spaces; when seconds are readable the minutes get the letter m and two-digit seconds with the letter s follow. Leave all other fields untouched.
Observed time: 2h26
